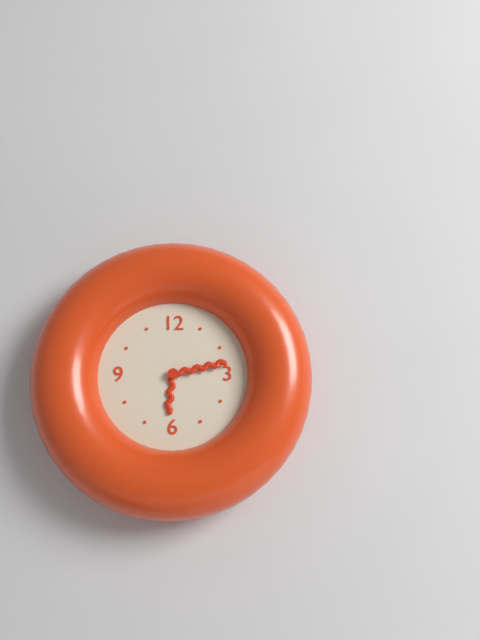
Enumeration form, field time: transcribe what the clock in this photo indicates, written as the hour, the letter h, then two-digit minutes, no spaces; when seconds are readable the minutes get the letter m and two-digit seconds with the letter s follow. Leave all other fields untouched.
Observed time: 6h13
